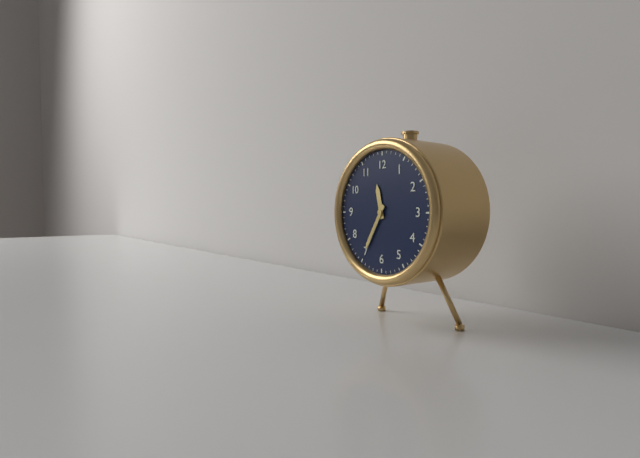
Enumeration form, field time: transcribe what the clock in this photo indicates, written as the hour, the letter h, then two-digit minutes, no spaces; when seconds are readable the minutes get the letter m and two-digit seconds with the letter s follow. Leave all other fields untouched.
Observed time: 11h35
